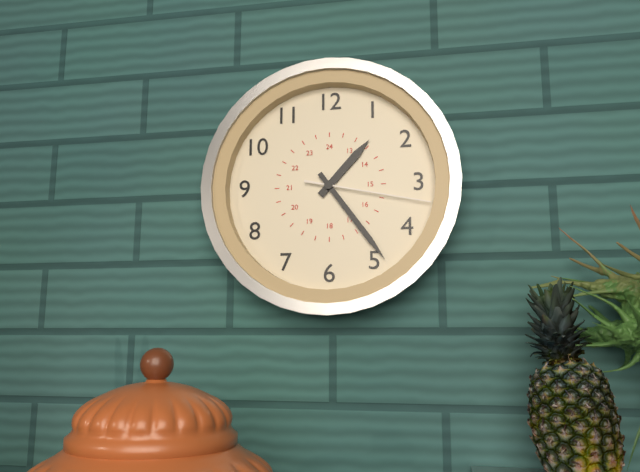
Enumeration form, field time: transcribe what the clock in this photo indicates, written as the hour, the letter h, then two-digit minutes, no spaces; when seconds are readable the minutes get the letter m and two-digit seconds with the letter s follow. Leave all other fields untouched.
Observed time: 1h24m17s
